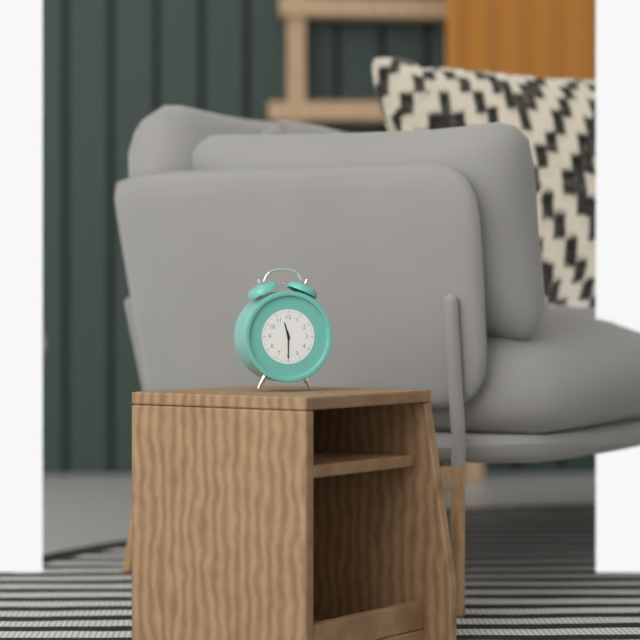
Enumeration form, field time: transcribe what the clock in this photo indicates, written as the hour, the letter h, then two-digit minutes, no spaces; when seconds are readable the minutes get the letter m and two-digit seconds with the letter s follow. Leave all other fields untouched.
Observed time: 11h30
